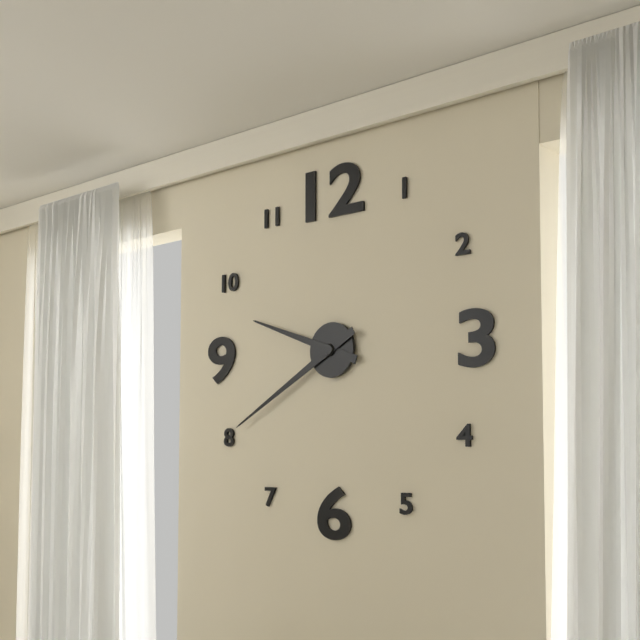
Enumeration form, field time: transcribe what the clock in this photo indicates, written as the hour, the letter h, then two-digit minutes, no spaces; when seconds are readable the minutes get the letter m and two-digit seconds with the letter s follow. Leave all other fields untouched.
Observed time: 9h40
